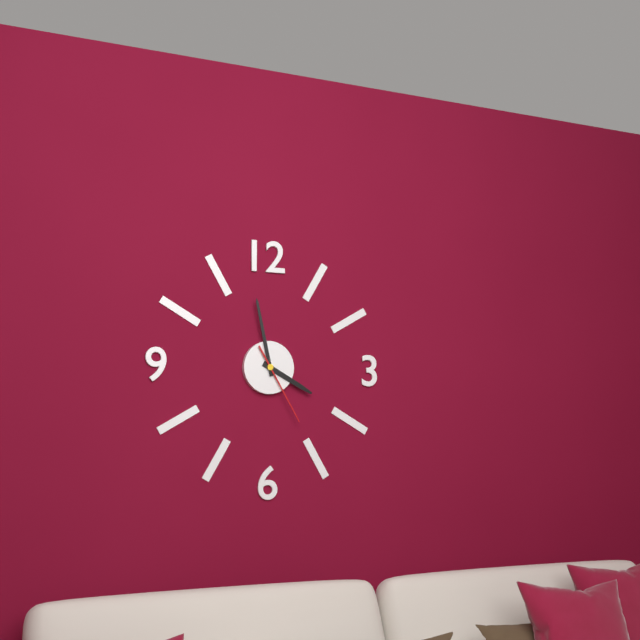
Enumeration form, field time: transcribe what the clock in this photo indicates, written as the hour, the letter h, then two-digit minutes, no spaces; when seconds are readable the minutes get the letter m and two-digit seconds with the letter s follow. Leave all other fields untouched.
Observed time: 3h58m25s
